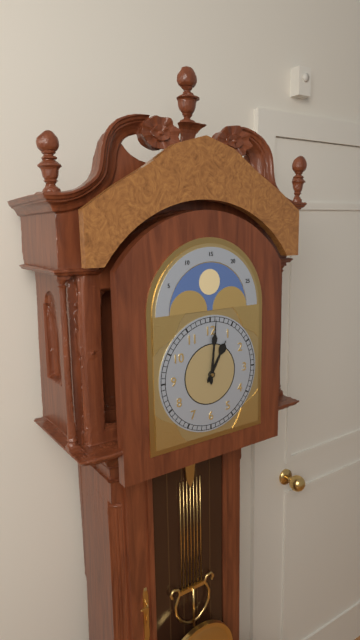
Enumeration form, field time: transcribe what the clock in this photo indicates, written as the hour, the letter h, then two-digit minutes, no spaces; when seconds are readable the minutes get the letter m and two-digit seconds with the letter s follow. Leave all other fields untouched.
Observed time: 1h01
